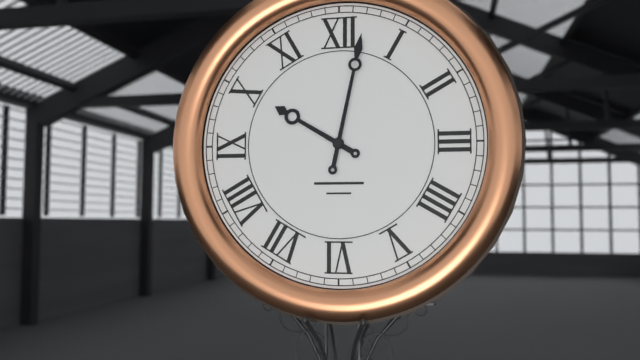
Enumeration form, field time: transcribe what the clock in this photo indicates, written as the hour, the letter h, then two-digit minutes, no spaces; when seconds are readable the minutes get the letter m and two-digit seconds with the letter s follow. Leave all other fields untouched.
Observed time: 10h02
